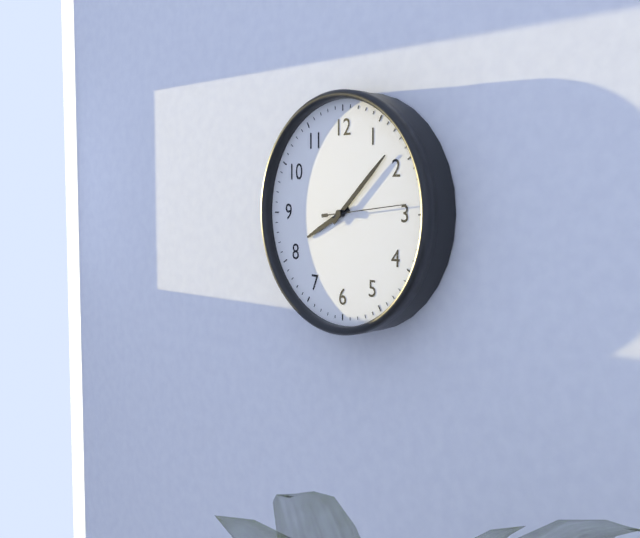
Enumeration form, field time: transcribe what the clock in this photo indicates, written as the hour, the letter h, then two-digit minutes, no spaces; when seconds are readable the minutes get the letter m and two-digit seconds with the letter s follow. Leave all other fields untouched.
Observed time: 8h08m14s
